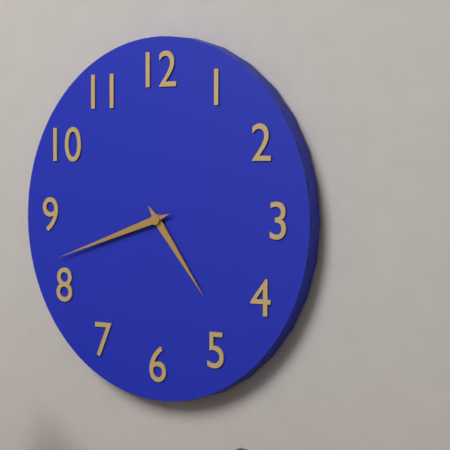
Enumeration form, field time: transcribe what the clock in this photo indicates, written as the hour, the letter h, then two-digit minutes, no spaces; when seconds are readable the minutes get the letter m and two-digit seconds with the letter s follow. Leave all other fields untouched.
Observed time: 4h42
